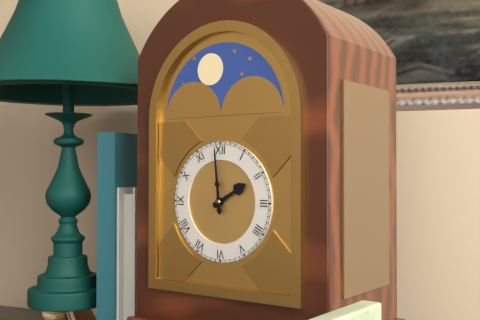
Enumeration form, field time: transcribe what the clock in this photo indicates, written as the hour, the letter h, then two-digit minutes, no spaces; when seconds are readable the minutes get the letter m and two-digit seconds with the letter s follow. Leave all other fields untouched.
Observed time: 1h59
